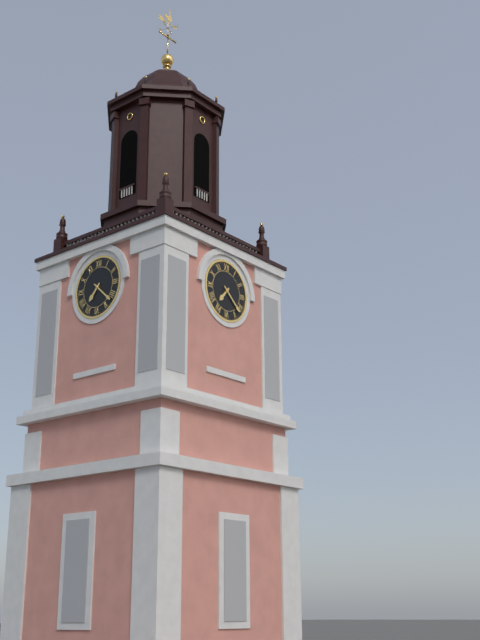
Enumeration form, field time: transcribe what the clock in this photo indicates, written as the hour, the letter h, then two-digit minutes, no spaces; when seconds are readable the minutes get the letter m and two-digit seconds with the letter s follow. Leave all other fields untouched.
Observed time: 7h22
